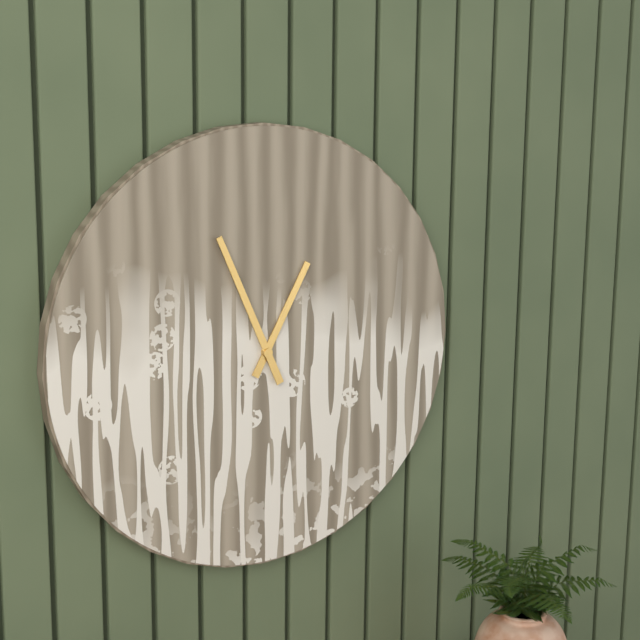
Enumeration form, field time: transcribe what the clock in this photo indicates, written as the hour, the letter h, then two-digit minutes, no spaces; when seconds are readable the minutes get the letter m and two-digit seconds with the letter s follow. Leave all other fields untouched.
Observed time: 12h56
